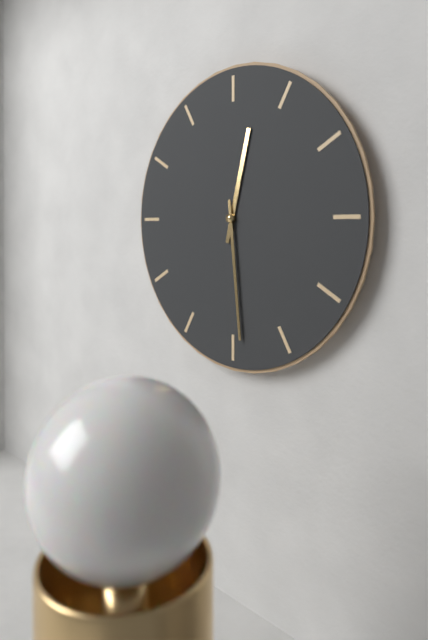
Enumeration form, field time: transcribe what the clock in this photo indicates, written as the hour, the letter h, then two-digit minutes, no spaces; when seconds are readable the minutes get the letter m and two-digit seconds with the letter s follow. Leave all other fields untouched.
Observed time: 12h29
